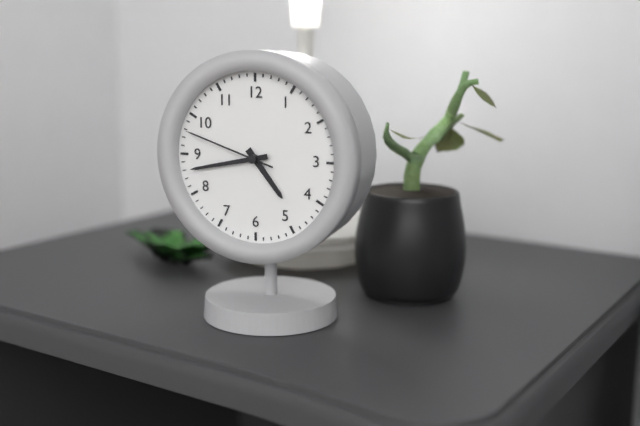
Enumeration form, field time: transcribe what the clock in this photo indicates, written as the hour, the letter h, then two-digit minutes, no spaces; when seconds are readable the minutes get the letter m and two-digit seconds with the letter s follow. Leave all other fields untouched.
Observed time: 4h43m48s
